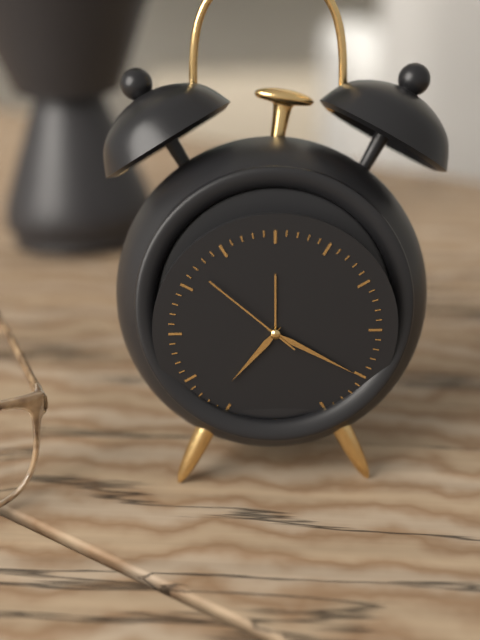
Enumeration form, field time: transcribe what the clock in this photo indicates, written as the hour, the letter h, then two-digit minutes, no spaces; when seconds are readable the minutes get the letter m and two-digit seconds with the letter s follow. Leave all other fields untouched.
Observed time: 7h20m52s
